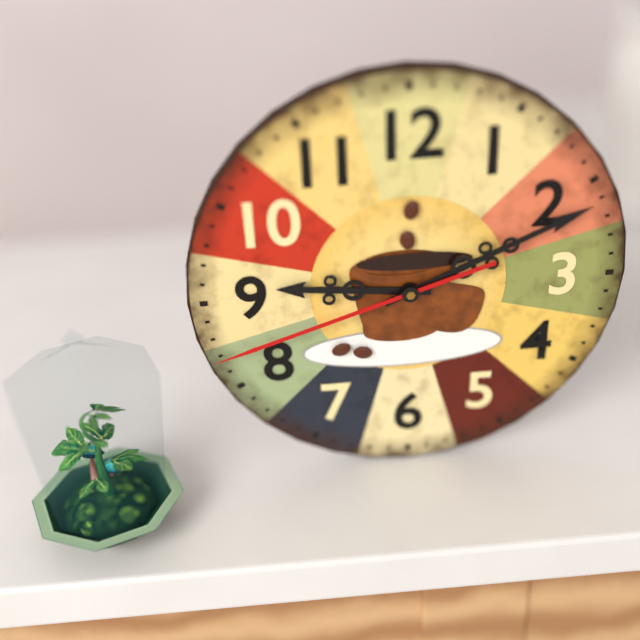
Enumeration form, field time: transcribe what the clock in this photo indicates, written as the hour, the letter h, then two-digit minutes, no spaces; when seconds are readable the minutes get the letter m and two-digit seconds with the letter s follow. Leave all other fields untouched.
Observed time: 9h11m42s
